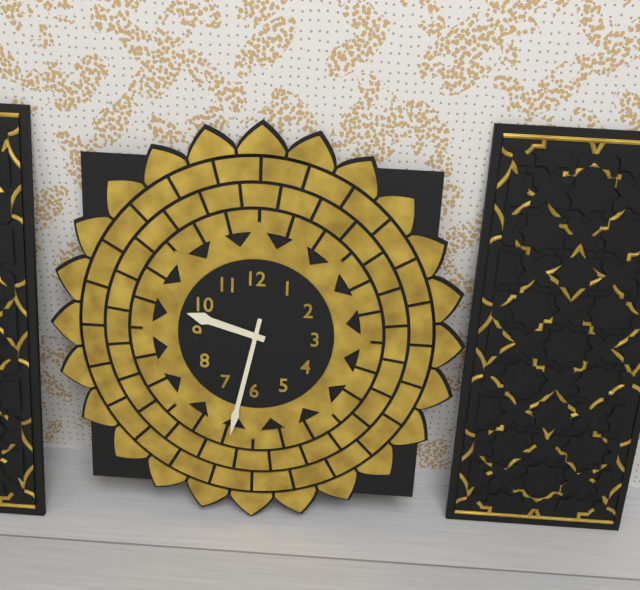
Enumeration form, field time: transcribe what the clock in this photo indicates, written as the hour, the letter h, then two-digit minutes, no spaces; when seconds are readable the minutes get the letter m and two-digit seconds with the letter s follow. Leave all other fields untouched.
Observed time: 9h32
